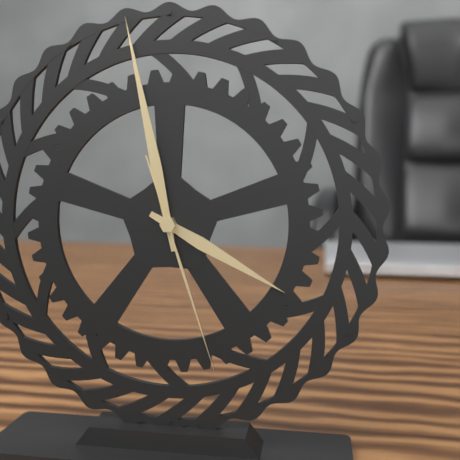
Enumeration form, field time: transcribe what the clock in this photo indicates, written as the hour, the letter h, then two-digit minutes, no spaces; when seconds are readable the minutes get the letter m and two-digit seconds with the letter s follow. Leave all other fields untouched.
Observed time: 3h58m27s
